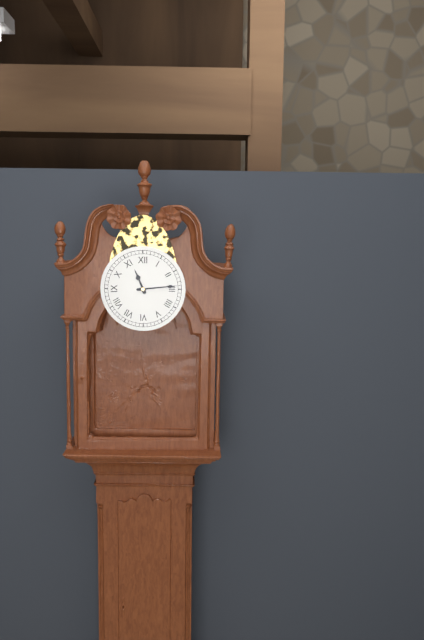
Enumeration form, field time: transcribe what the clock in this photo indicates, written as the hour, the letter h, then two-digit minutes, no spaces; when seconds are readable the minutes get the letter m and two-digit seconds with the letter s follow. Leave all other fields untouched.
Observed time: 11h14
